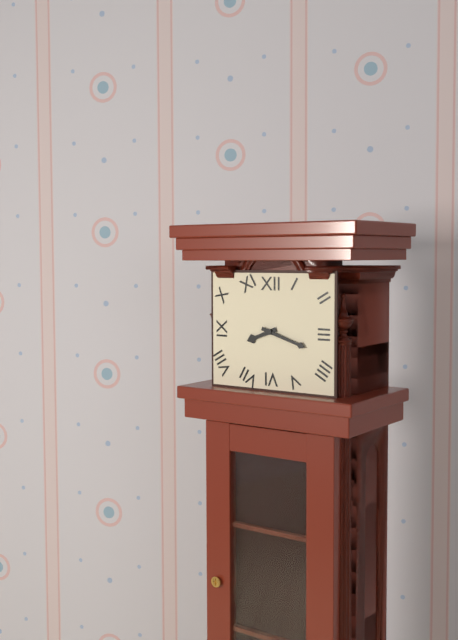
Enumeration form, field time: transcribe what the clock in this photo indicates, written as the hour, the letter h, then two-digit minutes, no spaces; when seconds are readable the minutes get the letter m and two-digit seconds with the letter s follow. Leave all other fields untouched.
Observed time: 8h18
